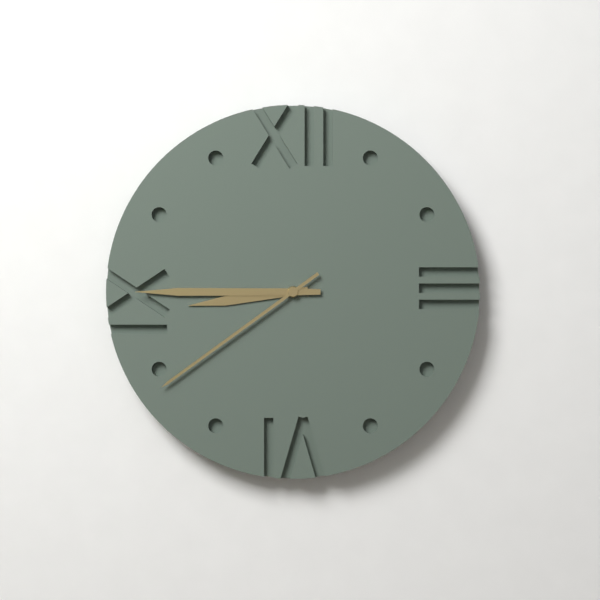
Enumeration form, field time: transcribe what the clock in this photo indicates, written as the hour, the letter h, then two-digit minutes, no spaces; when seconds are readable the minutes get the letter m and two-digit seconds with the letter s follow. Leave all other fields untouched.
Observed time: 8h45m39s
